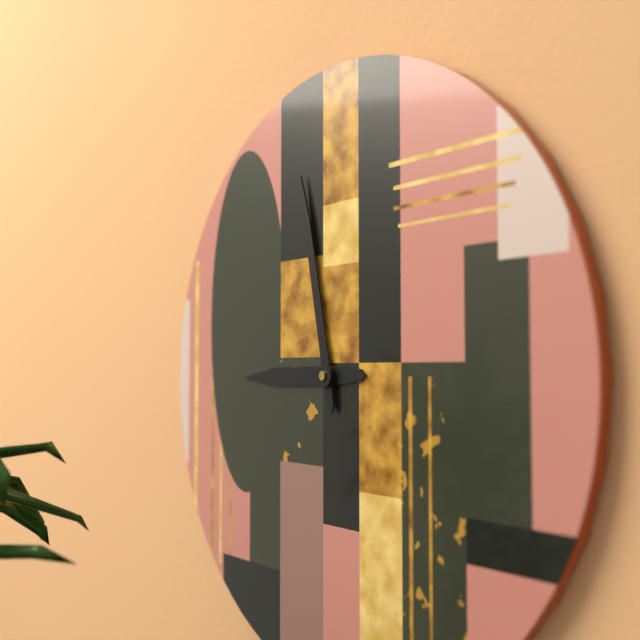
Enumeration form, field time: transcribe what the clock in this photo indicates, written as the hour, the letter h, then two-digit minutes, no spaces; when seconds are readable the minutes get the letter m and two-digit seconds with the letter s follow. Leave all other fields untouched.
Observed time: 8h58
